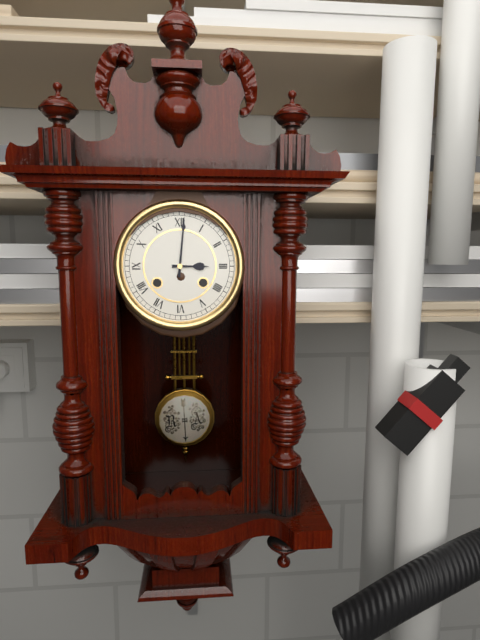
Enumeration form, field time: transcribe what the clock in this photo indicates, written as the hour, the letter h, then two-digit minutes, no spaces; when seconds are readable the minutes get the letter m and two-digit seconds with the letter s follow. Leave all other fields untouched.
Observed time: 3h01
